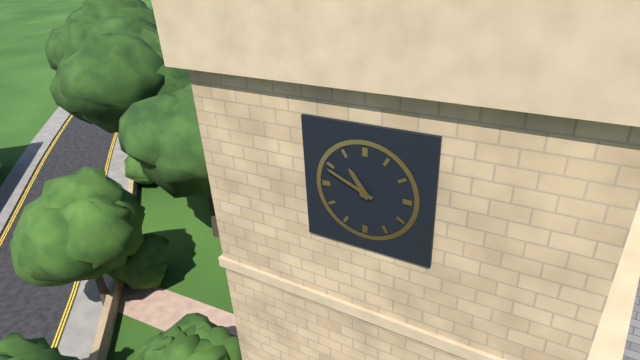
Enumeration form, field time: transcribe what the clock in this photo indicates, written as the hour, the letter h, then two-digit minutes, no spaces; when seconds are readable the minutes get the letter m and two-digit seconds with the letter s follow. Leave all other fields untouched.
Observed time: 10h49
